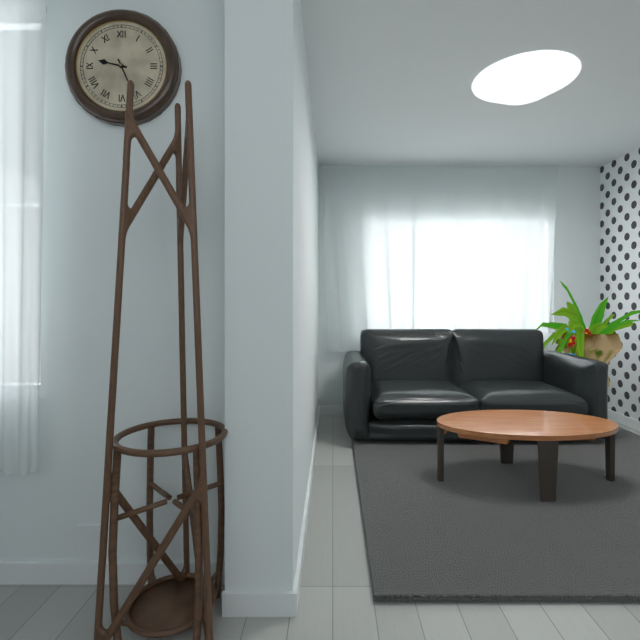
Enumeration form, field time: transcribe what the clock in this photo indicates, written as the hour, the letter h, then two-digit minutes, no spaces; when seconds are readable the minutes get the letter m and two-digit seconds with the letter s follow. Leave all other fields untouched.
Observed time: 9h26
